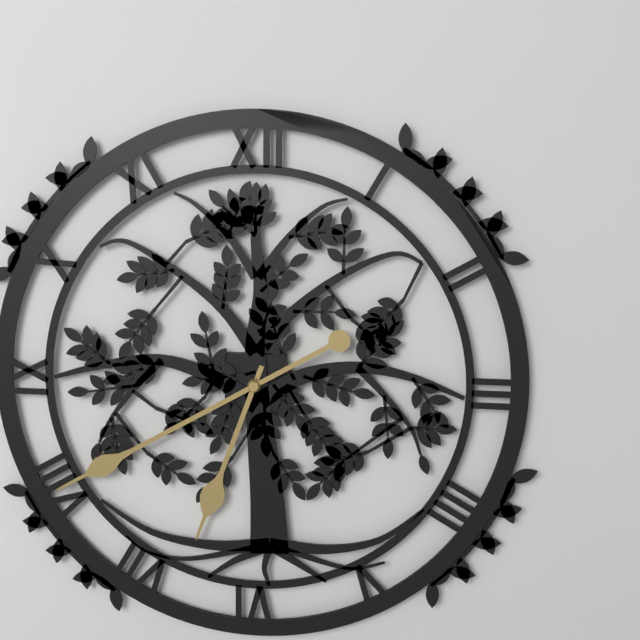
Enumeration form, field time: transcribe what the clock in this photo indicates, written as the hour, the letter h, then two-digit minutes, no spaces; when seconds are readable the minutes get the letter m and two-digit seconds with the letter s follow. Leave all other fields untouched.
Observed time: 6h40
